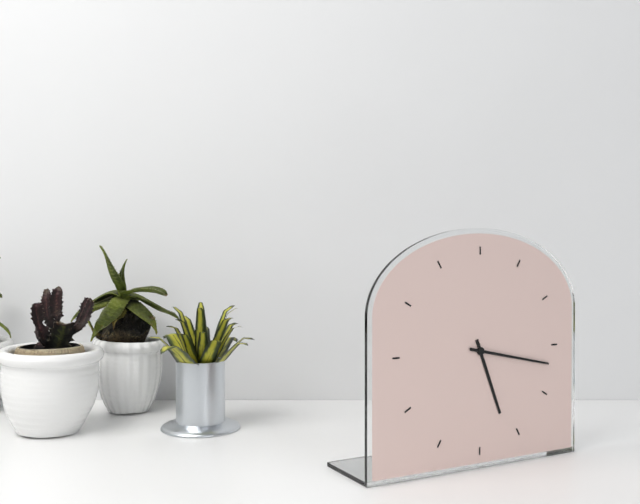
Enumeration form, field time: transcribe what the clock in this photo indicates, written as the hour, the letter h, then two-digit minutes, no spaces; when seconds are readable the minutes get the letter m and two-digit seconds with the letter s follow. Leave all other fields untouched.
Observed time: 5h17
